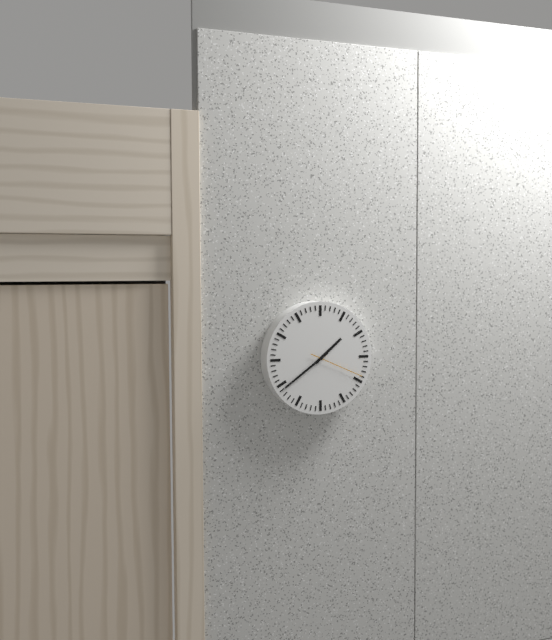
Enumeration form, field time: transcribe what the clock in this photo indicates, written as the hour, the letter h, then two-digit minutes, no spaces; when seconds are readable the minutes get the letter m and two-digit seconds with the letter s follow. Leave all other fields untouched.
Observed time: 1h39m19s
